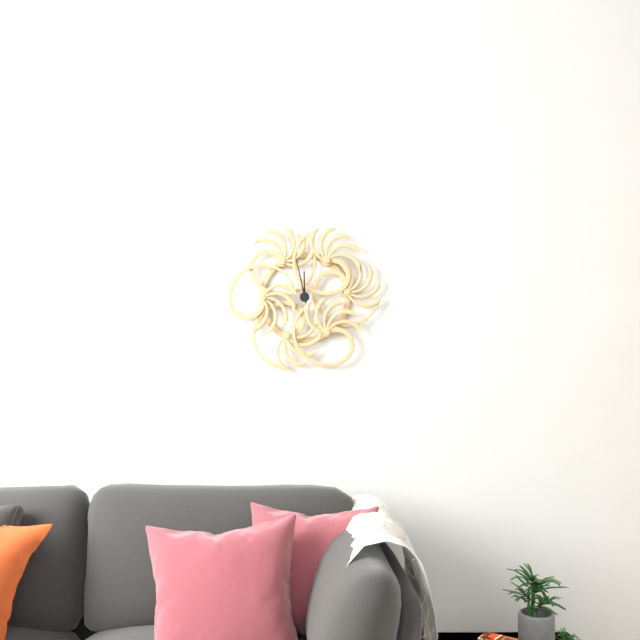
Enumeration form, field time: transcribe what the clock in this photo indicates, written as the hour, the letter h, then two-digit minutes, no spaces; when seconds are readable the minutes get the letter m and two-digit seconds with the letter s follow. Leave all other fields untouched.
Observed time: 11h58
